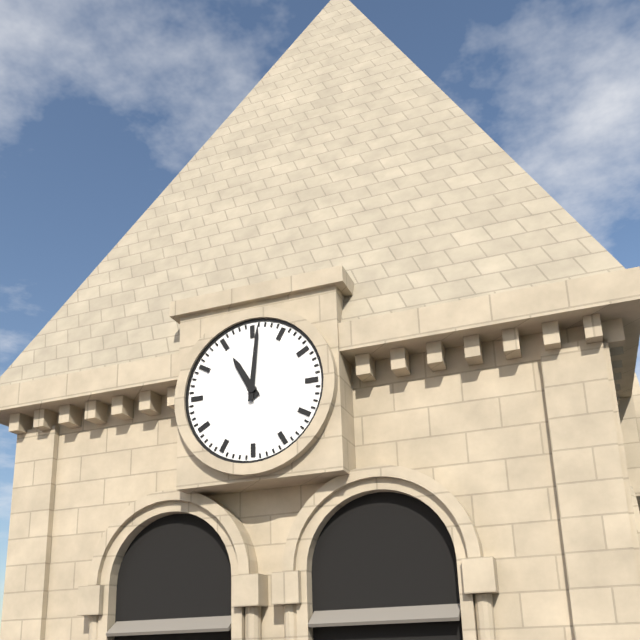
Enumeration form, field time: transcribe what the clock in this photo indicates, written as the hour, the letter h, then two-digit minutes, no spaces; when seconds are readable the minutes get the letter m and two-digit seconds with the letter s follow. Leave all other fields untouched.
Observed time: 11h01
